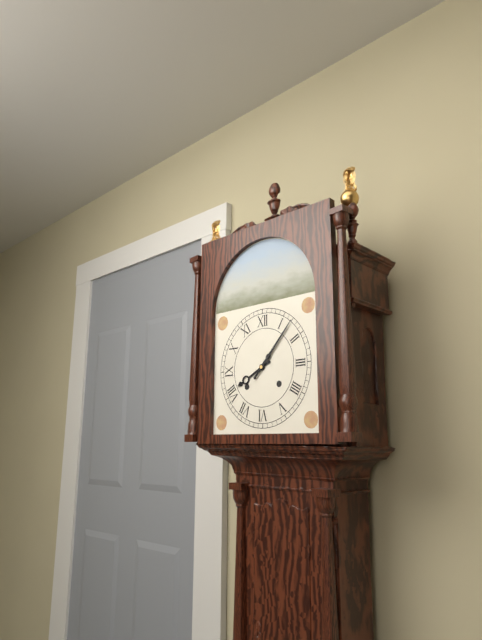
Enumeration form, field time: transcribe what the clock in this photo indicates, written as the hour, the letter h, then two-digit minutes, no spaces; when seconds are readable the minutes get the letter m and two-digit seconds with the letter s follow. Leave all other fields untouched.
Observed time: 8h07
